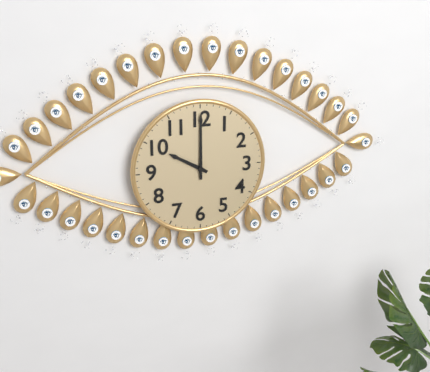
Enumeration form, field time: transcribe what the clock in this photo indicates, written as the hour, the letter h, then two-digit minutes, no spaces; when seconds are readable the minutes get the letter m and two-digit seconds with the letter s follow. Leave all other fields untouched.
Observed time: 10h00
